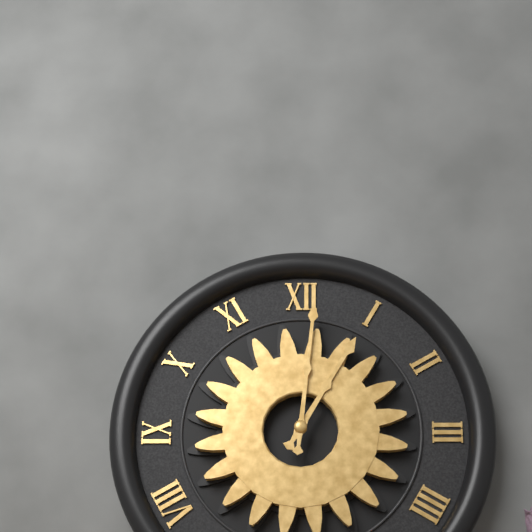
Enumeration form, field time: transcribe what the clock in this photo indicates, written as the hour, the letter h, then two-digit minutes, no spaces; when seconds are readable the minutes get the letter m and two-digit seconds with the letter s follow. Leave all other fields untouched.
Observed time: 1h01
